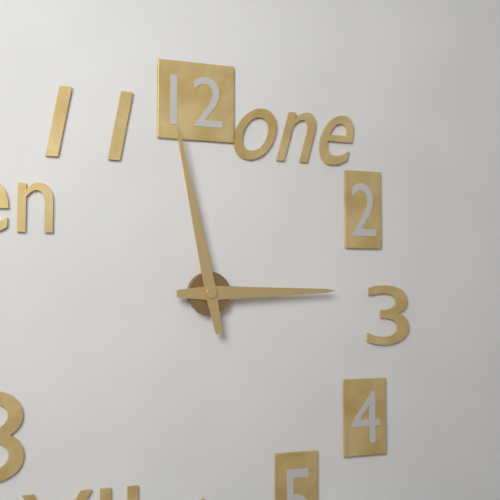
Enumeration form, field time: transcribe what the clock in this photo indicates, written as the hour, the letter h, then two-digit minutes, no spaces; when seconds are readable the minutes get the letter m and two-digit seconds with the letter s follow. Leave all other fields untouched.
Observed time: 2h58
